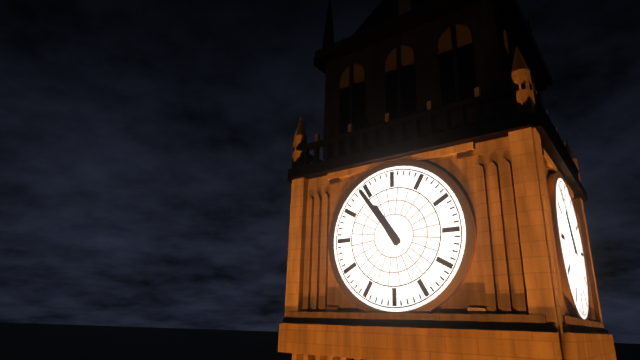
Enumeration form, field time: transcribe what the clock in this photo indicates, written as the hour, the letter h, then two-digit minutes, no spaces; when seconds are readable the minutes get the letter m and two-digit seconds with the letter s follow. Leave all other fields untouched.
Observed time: 10h54
